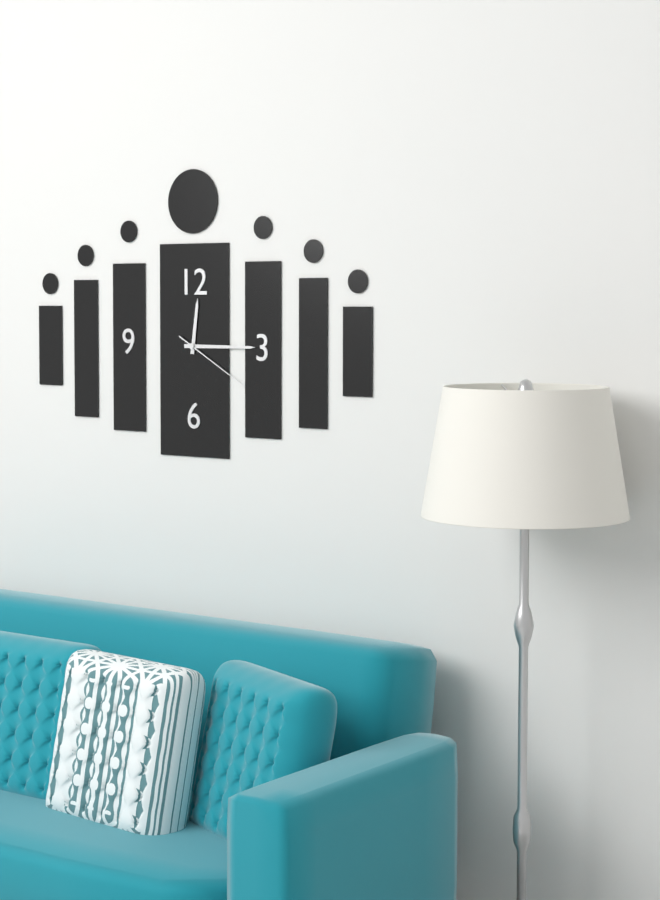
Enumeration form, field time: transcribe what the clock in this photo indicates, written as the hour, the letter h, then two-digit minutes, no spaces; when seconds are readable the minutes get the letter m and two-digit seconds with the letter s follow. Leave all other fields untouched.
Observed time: 12h15m20s
